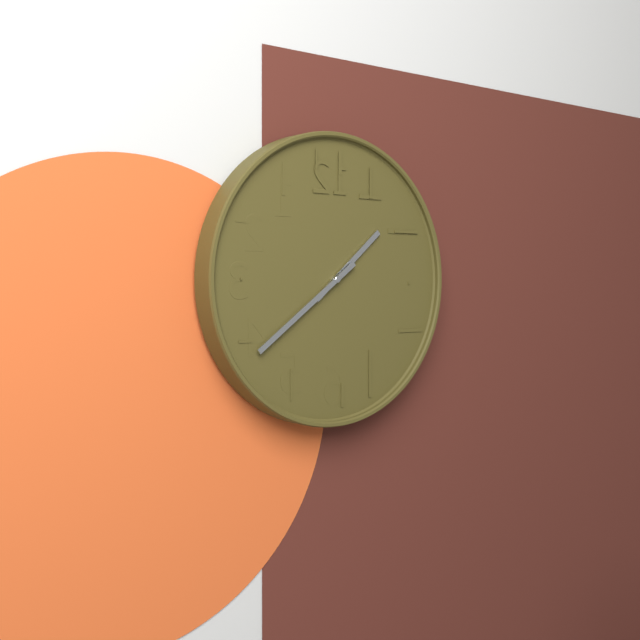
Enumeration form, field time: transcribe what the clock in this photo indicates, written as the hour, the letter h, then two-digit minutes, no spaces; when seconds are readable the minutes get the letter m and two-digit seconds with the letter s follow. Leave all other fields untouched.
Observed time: 1h39
